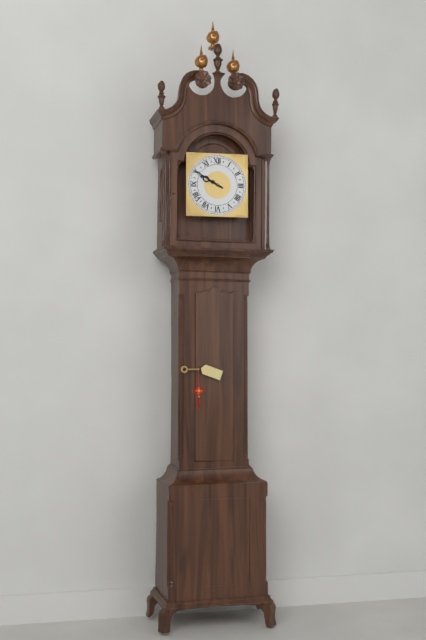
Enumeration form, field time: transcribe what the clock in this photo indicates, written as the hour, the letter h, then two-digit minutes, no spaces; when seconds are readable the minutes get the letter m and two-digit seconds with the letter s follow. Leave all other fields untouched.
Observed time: 9h50
